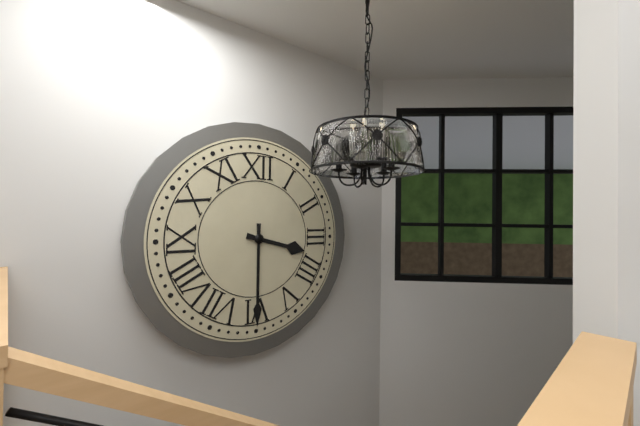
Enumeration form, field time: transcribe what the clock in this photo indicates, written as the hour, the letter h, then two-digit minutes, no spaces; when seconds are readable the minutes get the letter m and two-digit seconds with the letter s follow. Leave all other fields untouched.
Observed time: 3h30
